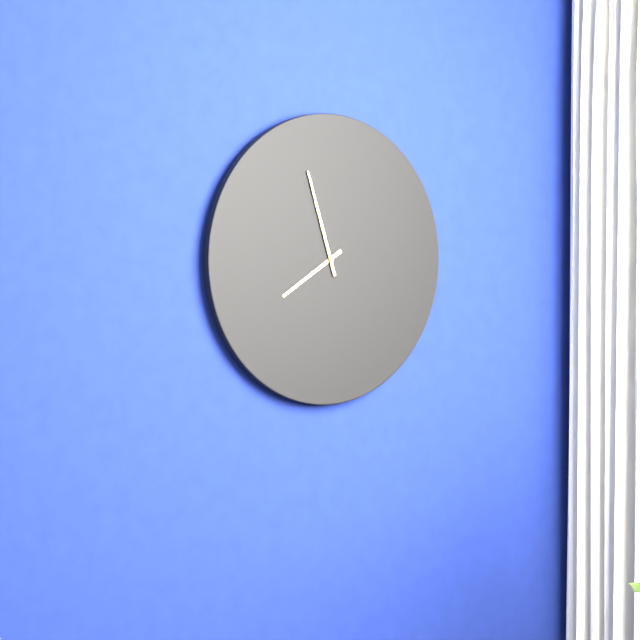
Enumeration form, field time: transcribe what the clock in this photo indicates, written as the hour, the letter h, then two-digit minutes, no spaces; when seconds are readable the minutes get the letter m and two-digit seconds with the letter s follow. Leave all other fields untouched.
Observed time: 7h57
